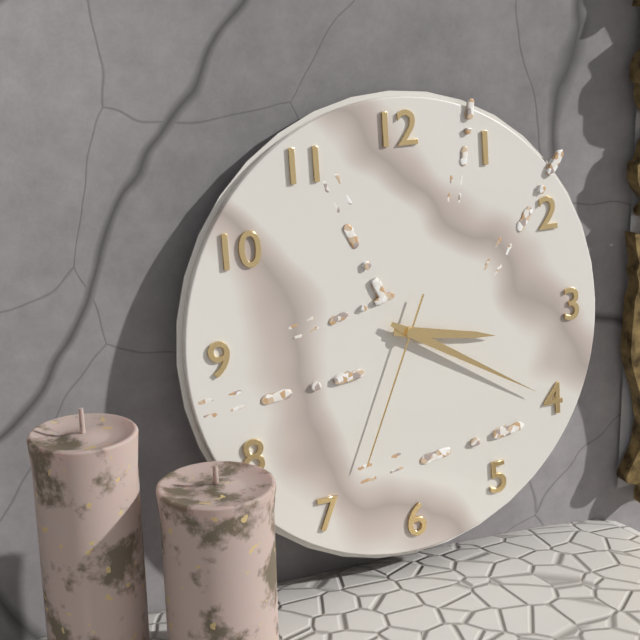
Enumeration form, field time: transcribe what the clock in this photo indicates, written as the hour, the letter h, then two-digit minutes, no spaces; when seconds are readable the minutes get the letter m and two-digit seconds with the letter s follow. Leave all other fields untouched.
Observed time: 3h20m34s
